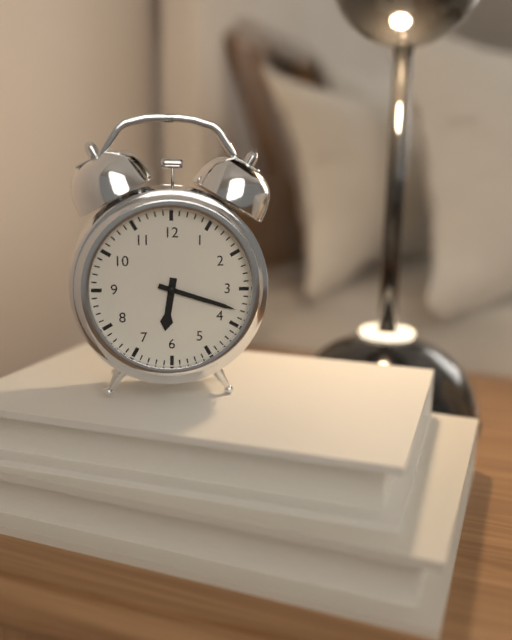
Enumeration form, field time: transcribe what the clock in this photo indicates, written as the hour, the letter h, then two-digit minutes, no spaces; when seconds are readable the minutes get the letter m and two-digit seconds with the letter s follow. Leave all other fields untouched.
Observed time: 6h18
